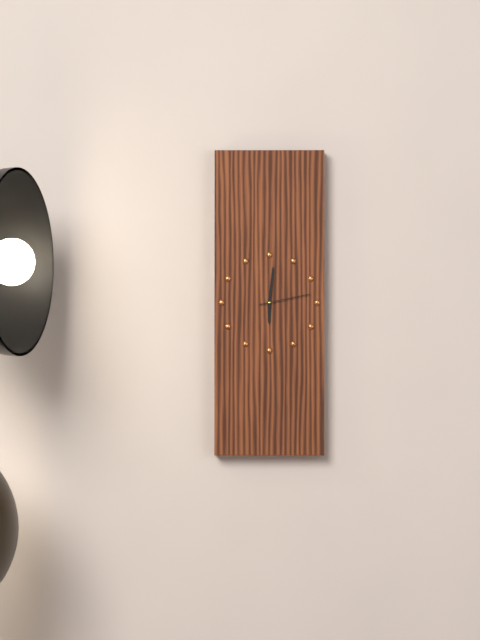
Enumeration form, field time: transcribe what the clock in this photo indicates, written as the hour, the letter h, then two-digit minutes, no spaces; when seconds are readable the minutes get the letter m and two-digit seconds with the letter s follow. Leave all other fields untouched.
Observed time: 6h01m13s
